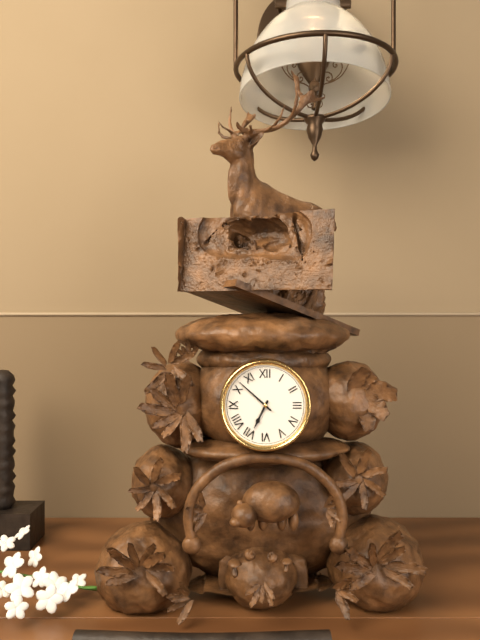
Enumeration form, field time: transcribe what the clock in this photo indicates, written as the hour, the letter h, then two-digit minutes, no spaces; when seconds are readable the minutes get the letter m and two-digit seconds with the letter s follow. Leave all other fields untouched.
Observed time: 6h52
